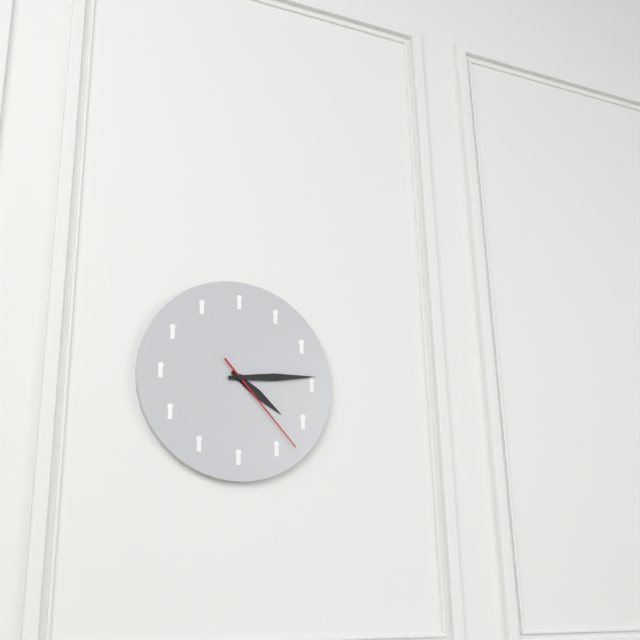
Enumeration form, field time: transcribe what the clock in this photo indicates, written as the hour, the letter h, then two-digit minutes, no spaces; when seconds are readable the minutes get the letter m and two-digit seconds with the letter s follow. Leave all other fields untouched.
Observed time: 4h14m23s
